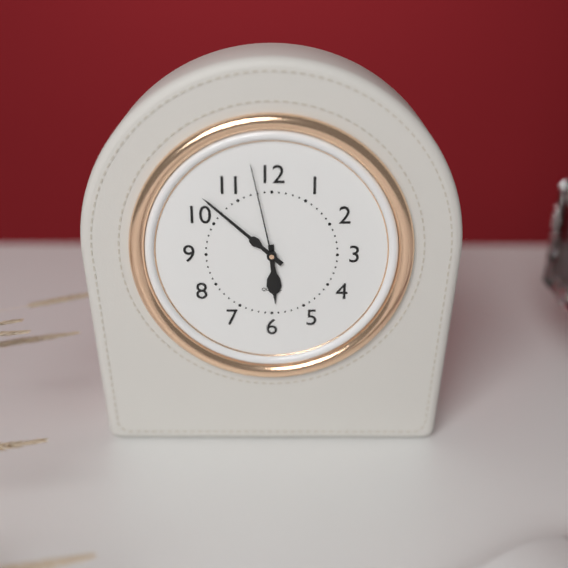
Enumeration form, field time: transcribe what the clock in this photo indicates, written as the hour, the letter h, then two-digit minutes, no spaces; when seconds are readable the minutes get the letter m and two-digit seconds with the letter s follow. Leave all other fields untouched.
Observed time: 5h52m58s
